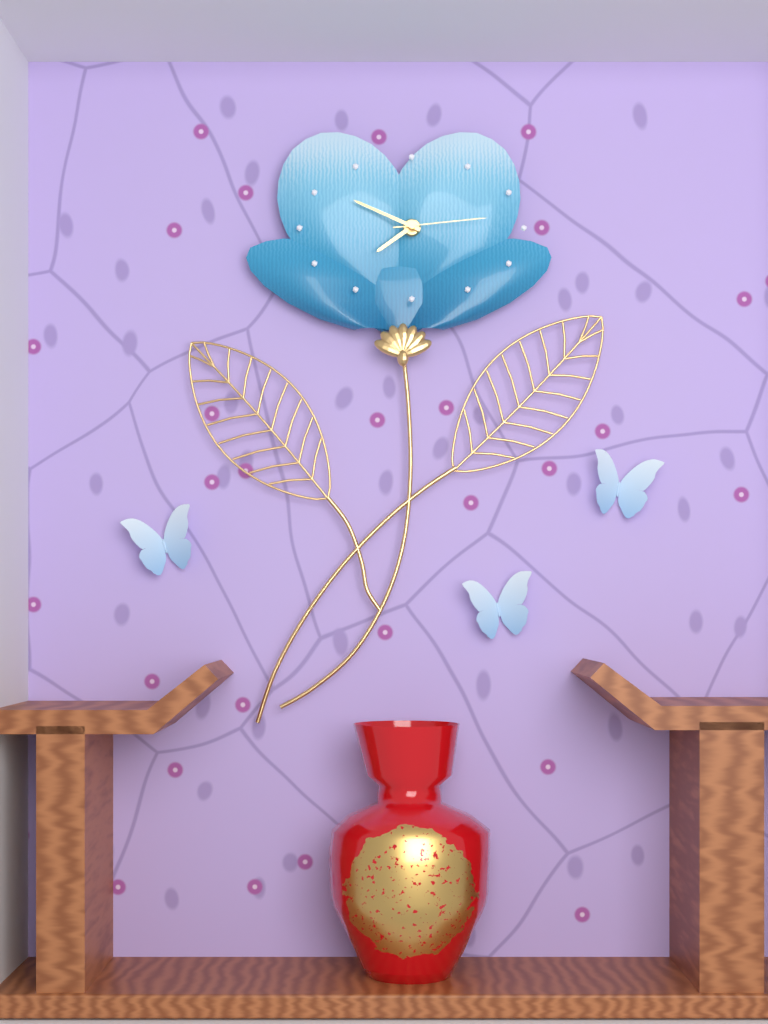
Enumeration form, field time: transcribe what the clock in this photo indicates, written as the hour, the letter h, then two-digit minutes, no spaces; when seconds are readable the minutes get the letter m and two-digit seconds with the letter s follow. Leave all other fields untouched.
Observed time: 7h49m14s
